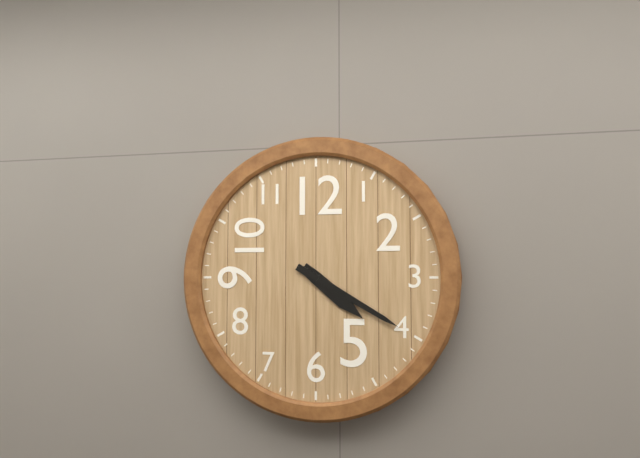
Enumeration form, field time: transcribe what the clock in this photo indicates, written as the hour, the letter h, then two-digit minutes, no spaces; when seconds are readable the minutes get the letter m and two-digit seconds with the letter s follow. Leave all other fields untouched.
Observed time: 4h20
